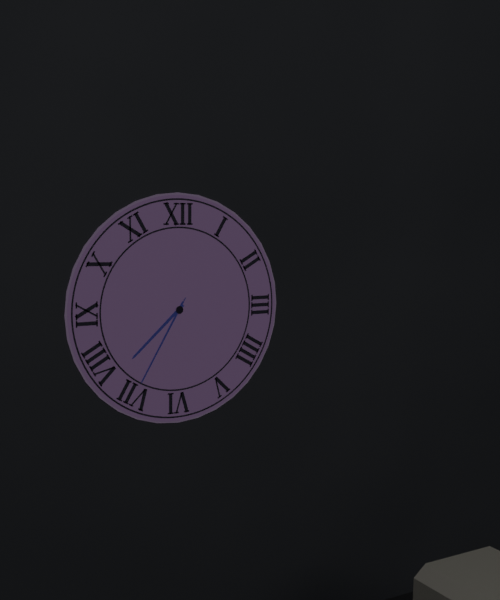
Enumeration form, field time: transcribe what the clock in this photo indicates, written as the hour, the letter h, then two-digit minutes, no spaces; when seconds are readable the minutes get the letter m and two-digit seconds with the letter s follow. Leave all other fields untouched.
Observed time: 7h35m35s
